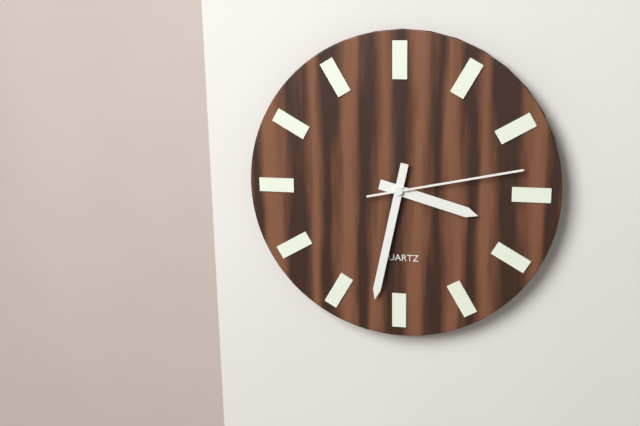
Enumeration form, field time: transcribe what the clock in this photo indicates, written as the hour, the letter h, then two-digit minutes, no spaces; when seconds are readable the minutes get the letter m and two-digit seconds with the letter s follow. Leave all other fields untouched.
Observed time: 3h32m13s
